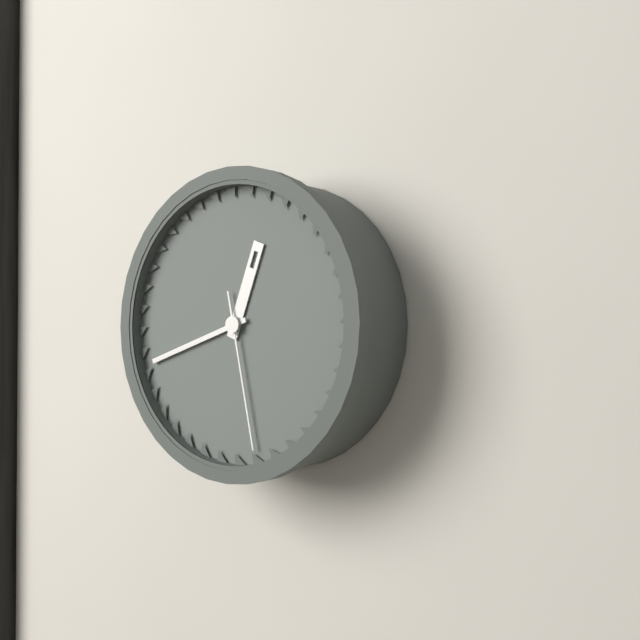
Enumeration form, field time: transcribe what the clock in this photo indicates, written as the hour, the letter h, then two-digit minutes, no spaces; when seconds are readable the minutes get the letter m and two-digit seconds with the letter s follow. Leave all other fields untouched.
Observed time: 12h42m28s
